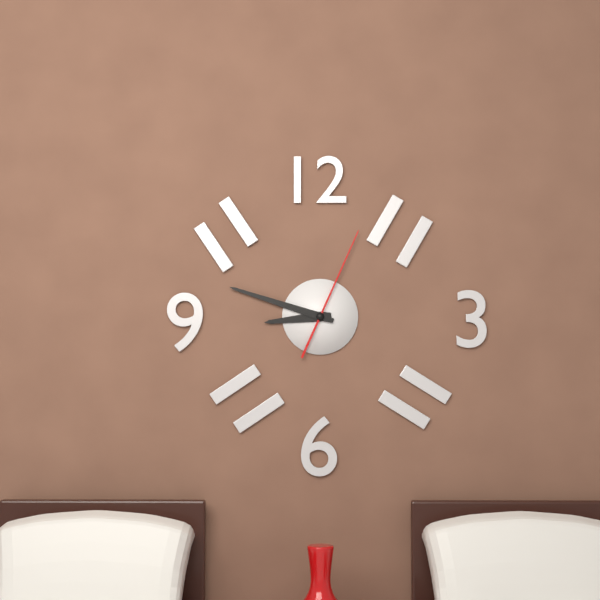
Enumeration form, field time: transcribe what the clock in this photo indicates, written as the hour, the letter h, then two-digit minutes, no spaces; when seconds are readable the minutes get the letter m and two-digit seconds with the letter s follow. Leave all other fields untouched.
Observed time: 8h48m04s
